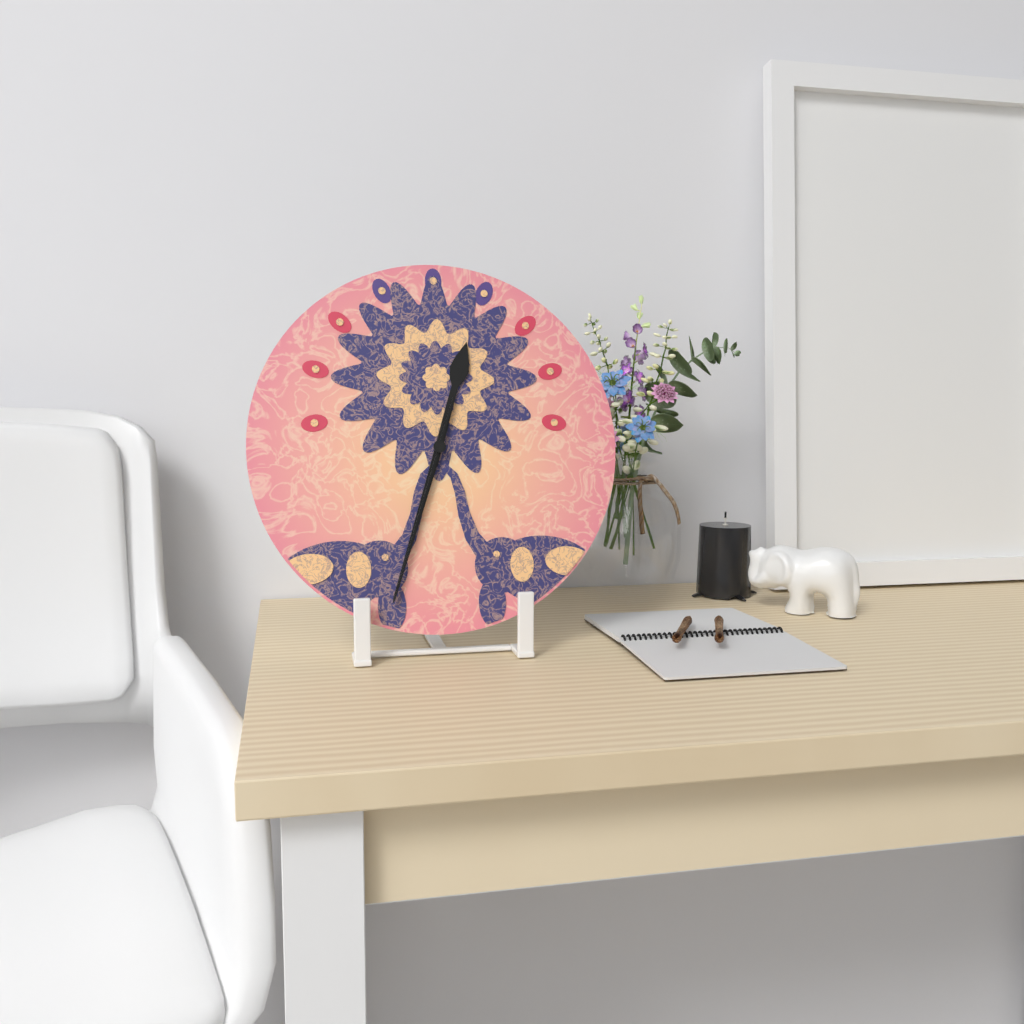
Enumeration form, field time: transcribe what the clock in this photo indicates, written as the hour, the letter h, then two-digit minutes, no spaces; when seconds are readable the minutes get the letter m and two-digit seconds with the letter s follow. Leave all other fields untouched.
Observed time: 12h33m33s
